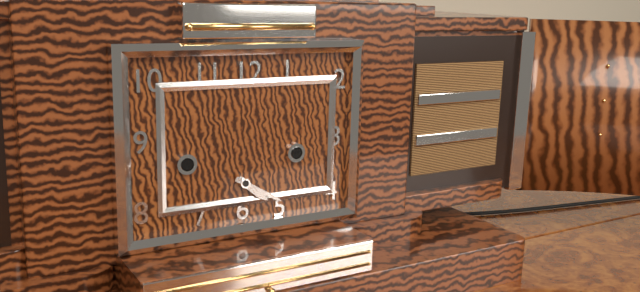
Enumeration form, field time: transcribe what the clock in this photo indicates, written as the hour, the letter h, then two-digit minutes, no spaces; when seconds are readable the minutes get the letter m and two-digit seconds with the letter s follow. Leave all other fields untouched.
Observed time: 4h20
